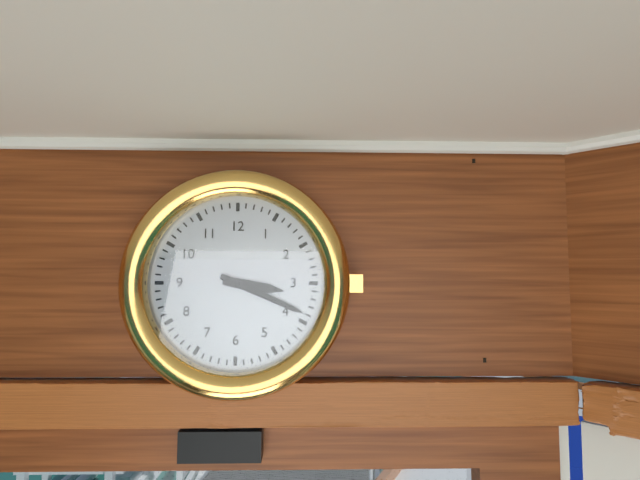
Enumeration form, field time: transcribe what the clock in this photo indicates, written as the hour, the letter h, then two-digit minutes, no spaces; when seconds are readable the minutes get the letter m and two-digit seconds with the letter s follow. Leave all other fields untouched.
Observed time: 3h19
